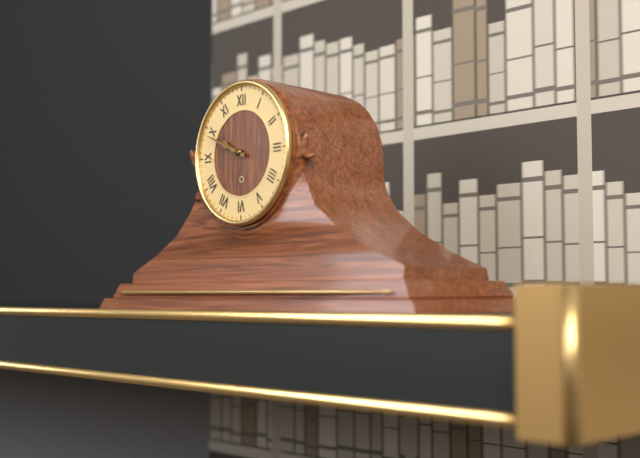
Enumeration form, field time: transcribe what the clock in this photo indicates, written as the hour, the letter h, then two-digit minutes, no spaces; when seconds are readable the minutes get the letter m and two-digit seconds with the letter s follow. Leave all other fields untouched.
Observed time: 9h49
